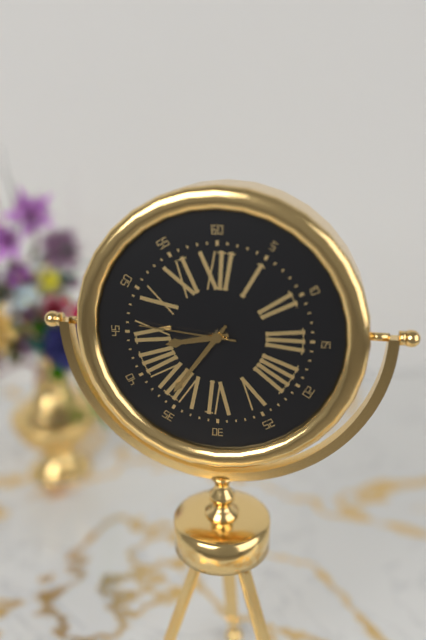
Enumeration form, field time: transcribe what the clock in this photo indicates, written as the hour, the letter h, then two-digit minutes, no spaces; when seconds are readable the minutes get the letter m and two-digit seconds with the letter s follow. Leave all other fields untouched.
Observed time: 8h36m46s
